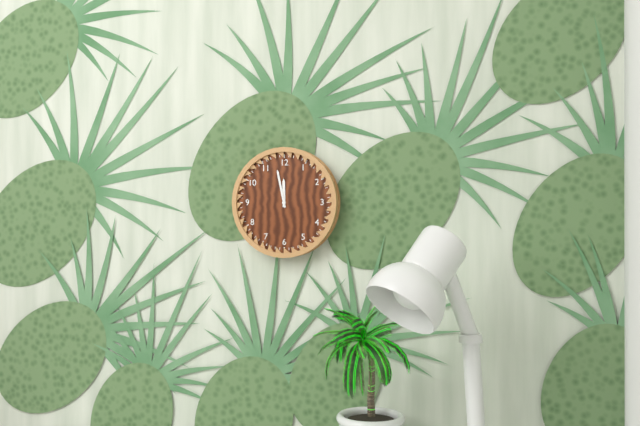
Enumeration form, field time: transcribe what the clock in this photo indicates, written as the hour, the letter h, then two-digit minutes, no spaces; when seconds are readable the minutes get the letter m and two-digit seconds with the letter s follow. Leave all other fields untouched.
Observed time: 11h58
